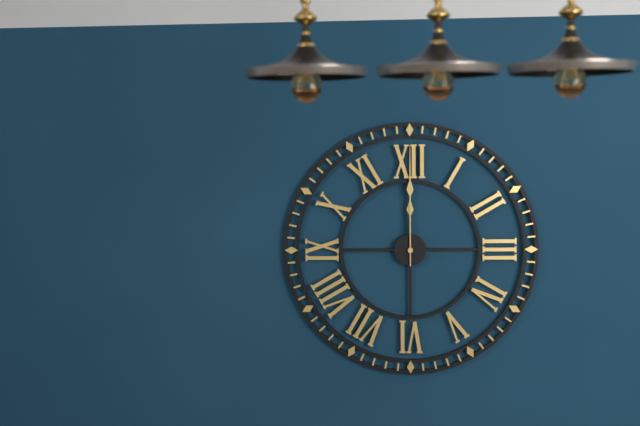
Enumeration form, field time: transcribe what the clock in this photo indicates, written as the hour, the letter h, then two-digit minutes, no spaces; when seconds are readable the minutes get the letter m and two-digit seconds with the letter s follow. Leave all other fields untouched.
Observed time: 12h00
